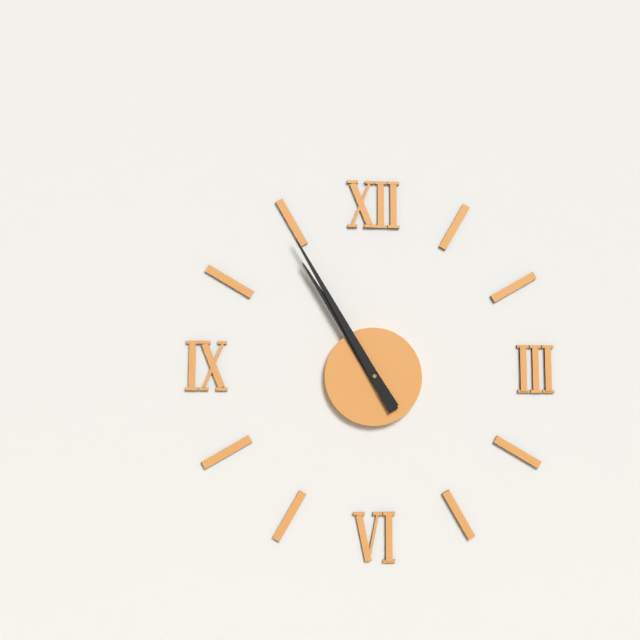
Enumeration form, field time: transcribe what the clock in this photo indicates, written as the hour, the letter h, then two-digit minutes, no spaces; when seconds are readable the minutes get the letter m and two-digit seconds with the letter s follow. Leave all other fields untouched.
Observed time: 10h55
